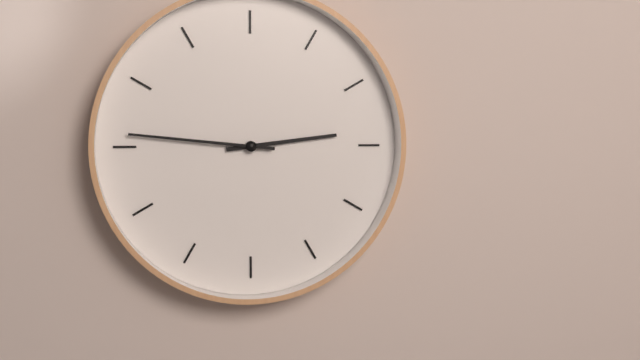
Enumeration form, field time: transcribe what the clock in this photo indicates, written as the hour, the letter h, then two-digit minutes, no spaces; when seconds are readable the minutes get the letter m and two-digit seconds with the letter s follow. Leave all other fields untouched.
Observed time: 2h46
